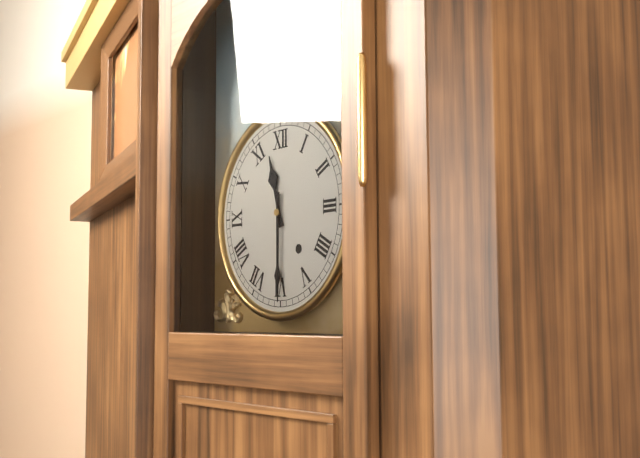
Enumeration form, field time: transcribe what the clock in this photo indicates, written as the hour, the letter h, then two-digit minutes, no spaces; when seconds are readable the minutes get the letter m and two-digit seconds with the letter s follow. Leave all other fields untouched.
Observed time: 11h30
